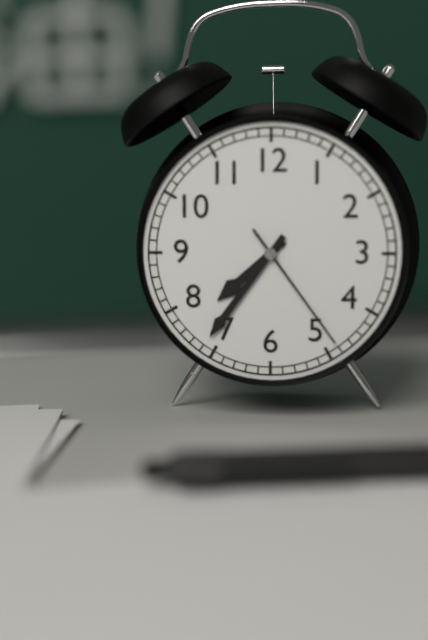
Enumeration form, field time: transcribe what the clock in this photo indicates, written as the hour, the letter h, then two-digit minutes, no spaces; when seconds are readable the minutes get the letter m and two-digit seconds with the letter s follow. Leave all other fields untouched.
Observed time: 7h36m24s
